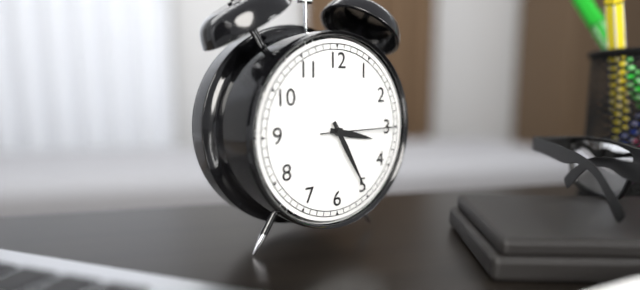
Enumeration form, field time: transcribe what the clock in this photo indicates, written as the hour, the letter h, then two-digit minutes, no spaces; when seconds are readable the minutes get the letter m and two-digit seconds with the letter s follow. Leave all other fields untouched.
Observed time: 3h25m15s
